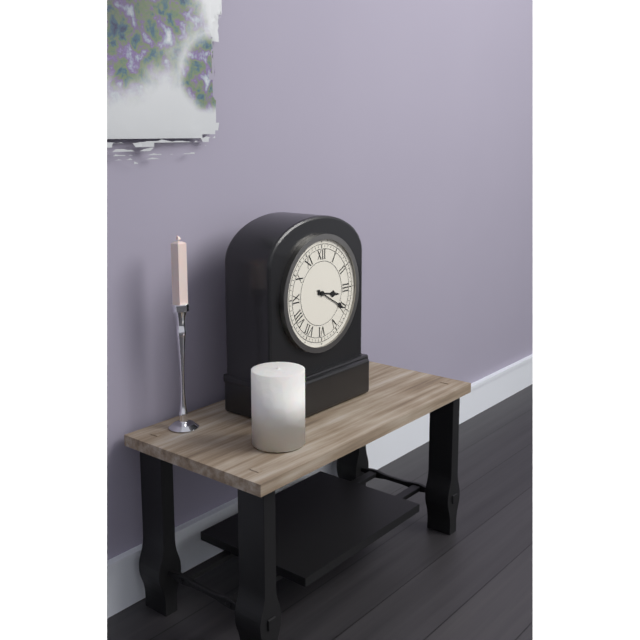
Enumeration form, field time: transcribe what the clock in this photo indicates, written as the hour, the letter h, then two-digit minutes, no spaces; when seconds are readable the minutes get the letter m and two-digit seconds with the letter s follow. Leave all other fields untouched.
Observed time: 3h20
